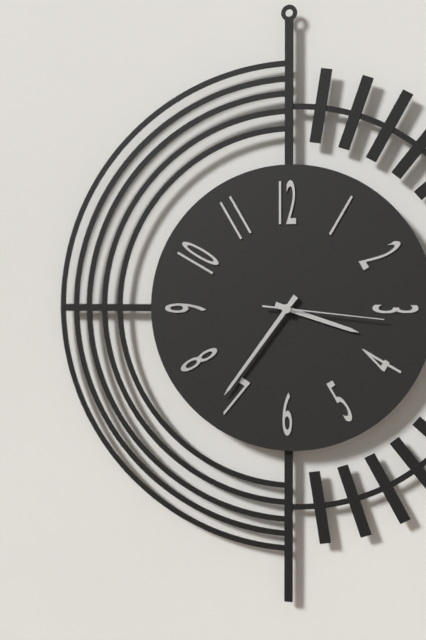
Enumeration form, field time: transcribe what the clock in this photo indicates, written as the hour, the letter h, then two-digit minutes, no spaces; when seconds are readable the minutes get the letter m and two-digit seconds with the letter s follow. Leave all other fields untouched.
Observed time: 3h36m16s
